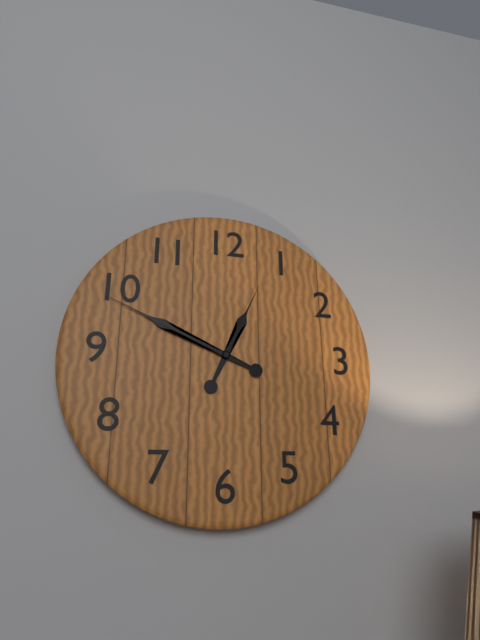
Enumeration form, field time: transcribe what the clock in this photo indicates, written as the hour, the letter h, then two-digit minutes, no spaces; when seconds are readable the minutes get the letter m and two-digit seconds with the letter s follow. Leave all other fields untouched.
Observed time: 12h49
